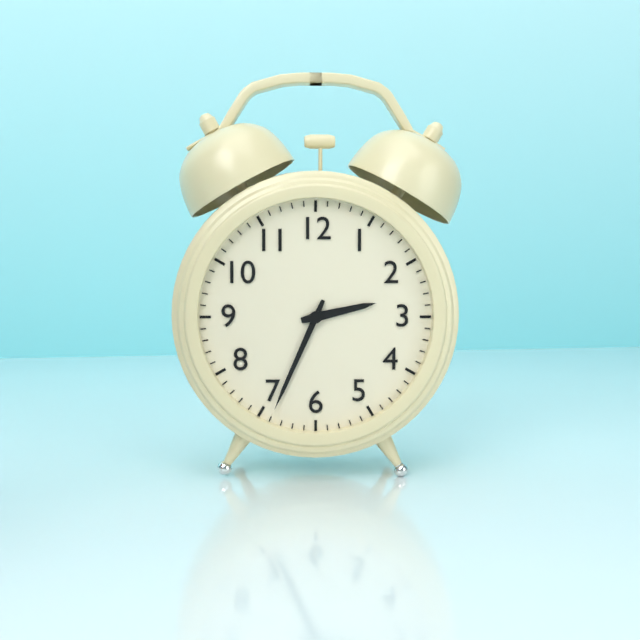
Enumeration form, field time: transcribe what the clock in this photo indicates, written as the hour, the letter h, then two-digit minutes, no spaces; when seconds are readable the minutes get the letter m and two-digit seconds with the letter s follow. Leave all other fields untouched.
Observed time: 2h34
